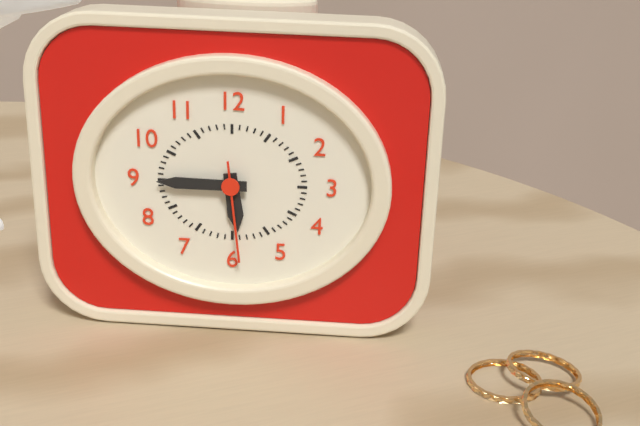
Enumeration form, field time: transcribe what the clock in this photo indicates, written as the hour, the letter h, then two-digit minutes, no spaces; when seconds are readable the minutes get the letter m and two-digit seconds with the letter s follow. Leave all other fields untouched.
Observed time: 5h45m29s
